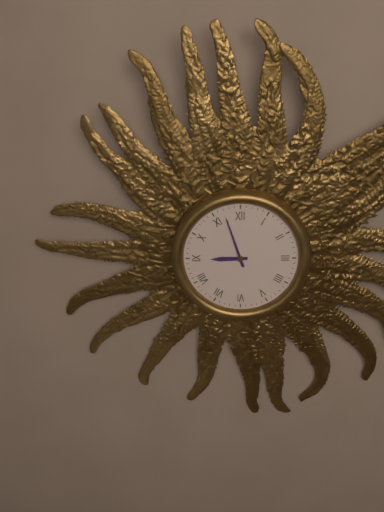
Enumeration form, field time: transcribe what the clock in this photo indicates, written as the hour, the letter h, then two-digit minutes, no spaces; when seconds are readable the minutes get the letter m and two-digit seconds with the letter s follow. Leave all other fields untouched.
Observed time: 8h57
